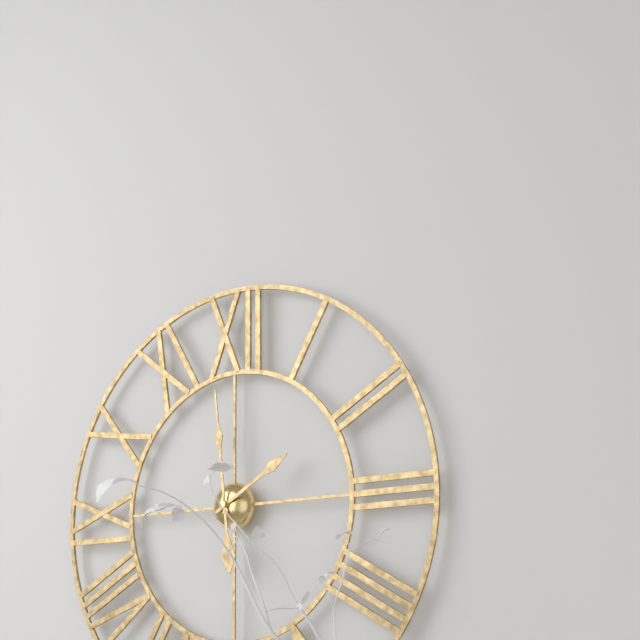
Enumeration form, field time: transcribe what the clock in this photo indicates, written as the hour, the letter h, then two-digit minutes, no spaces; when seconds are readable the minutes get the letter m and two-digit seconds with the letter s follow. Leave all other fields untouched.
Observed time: 1h59
